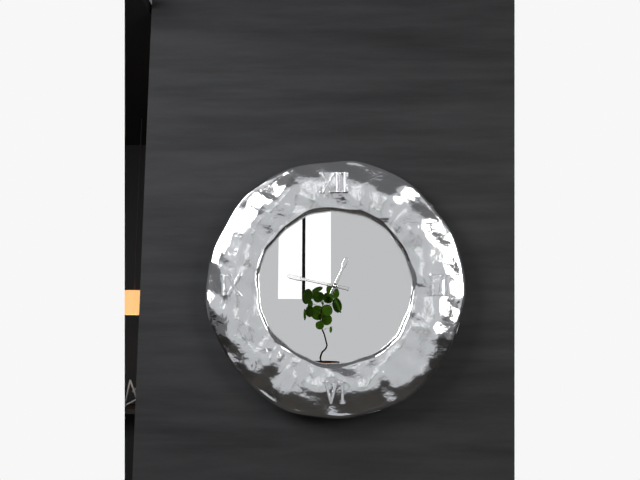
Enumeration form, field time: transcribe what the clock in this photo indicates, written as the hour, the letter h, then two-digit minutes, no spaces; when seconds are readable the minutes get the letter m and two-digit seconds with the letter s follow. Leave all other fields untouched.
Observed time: 12h47
